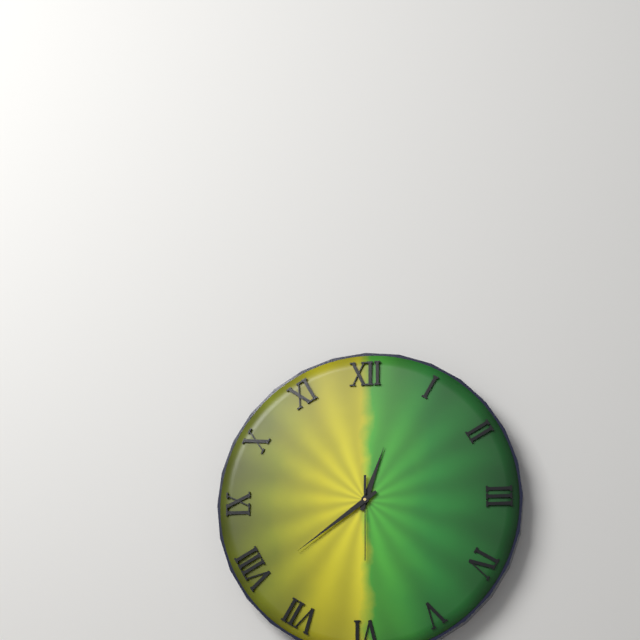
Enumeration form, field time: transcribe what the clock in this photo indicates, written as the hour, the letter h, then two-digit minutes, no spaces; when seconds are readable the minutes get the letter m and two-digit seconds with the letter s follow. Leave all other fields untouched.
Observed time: 12h39m30s
